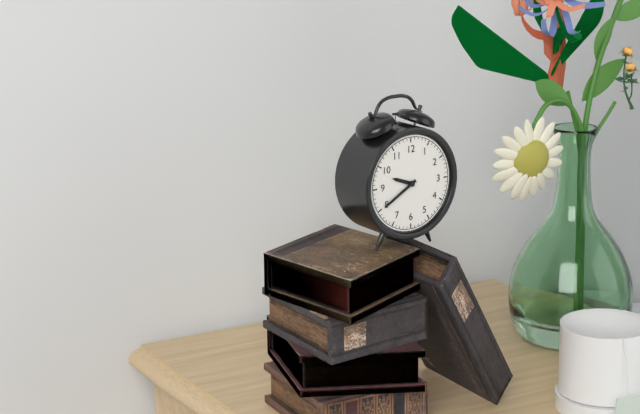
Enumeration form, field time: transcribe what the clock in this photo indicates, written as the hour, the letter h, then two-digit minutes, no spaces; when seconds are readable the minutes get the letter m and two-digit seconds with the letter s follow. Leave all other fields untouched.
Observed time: 9h40
